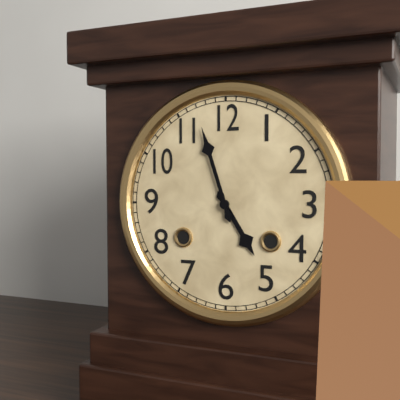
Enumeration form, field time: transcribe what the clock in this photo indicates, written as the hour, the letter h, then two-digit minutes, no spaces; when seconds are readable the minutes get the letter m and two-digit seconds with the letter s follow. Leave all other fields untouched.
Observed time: 4h57
